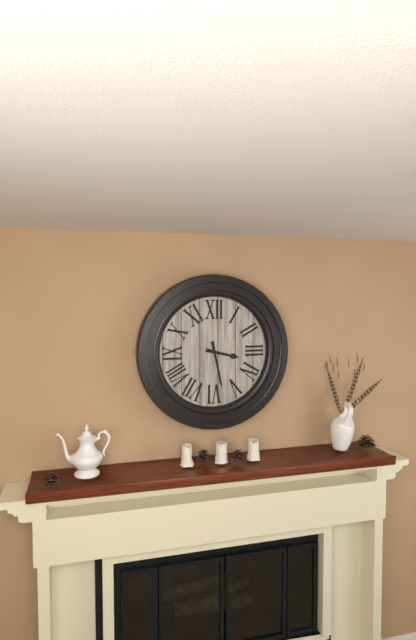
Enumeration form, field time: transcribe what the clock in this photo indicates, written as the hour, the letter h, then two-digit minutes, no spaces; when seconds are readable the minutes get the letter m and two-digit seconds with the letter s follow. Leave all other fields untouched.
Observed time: 3h28
